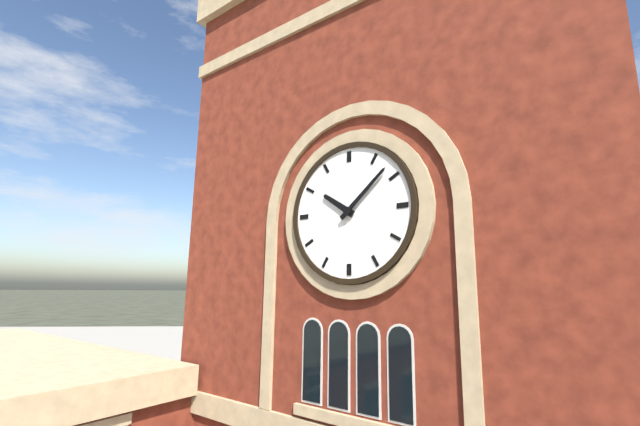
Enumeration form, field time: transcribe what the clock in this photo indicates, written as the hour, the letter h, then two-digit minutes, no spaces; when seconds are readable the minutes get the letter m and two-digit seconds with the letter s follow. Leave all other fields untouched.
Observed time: 10h08
